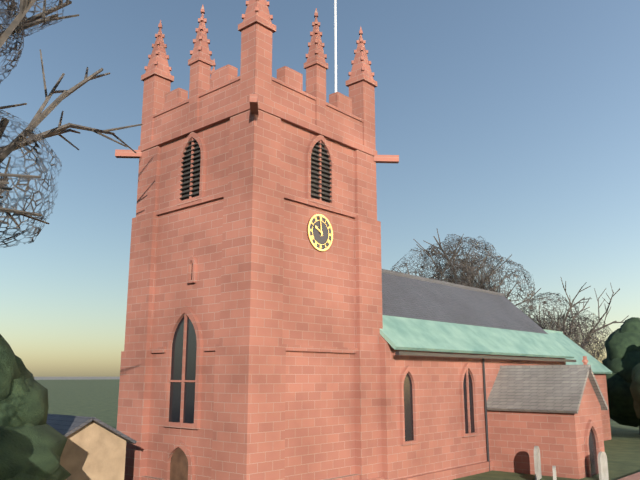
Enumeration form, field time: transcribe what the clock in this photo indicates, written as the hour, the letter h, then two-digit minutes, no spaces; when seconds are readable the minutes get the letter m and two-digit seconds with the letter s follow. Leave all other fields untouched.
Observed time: 9h59
